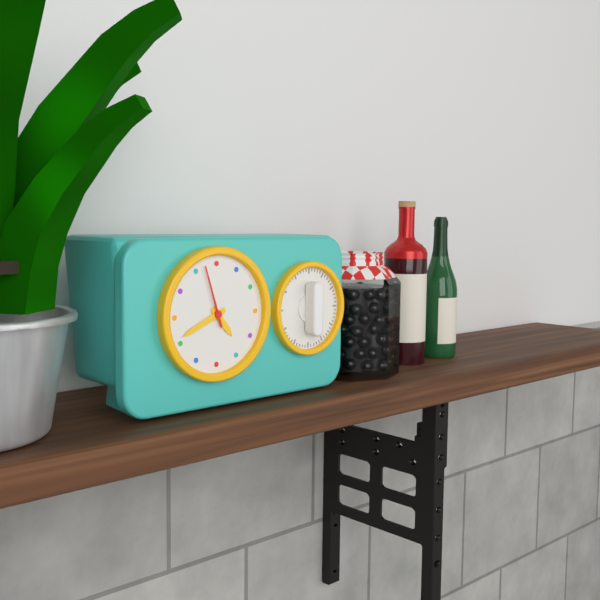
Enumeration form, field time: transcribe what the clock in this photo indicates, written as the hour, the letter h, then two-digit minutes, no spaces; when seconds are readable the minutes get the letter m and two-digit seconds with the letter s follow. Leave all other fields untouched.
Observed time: 4h41m57s
